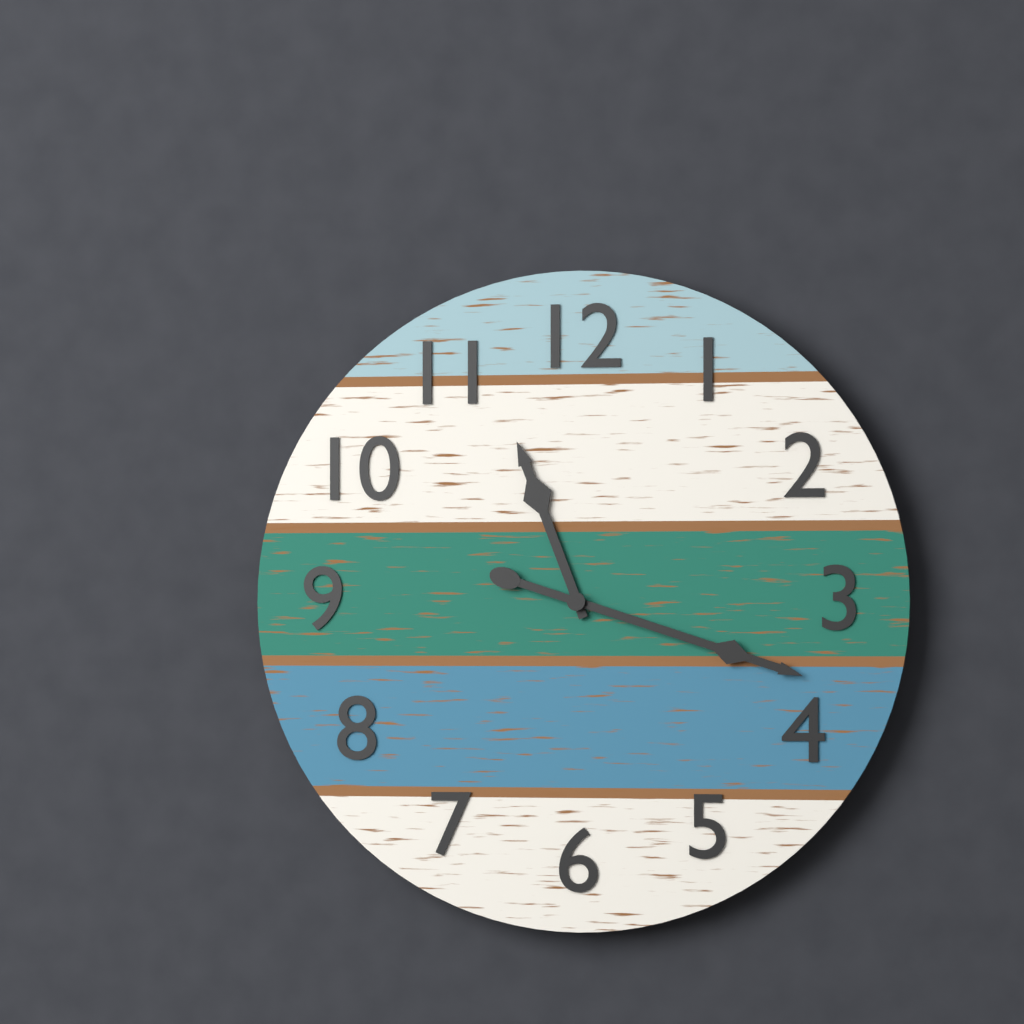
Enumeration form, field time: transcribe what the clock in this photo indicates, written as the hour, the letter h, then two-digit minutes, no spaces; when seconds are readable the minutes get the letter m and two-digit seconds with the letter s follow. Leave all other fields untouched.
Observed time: 11h18
